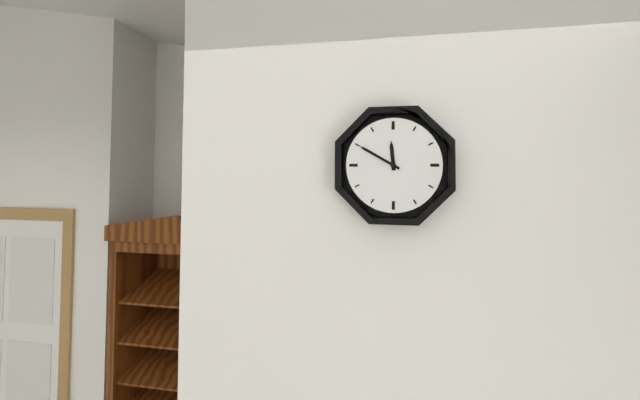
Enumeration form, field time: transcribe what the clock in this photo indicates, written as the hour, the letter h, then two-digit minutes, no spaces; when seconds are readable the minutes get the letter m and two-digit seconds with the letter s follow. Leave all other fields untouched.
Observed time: 11h50
